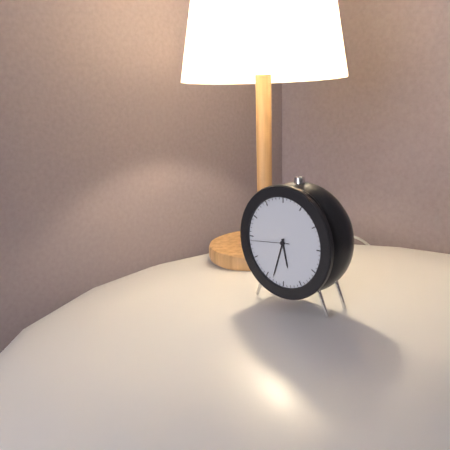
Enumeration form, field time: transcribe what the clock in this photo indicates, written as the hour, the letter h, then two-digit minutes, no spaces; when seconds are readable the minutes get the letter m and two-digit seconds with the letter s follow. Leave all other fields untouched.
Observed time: 5h33
